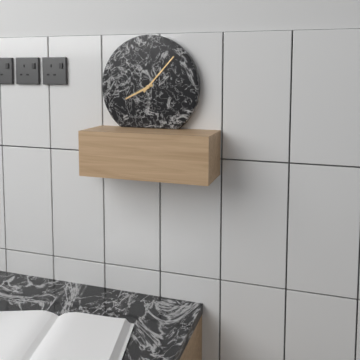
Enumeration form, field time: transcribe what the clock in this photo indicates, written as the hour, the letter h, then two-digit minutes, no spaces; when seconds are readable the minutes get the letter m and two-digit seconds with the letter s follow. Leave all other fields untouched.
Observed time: 8h07
